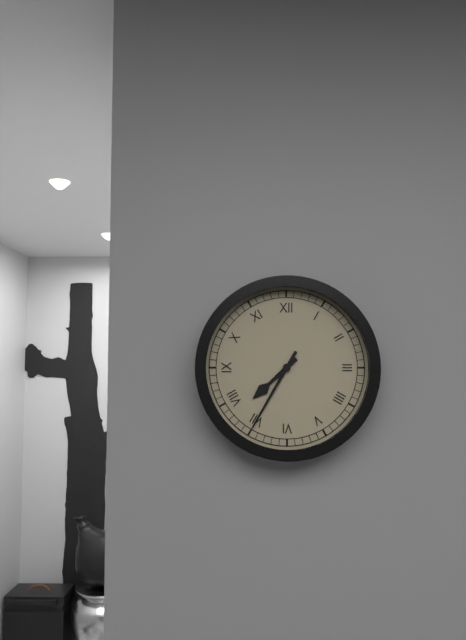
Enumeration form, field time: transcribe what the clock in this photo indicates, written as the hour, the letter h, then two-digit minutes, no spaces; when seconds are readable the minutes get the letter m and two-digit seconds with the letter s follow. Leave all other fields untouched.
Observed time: 7h35
